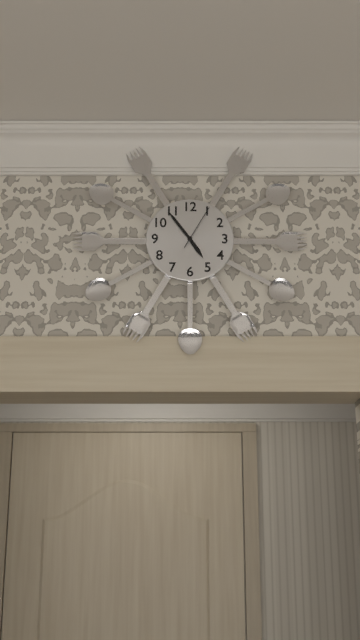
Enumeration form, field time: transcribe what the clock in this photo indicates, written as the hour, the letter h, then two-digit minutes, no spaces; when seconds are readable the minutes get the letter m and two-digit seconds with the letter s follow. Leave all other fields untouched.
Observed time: 4h54
